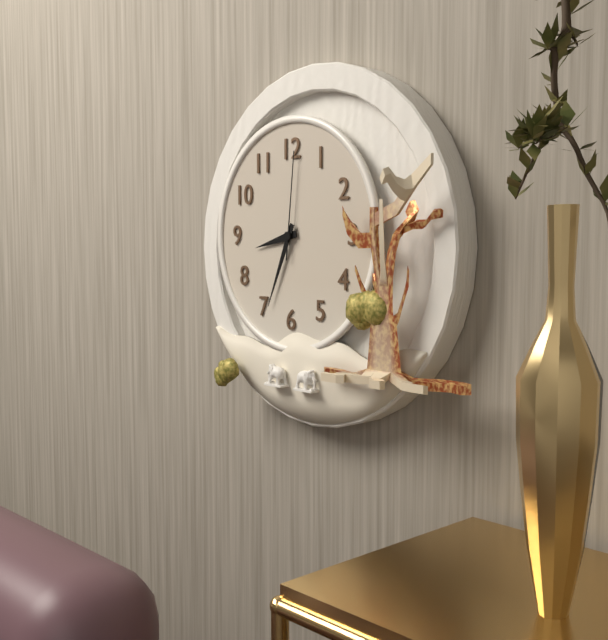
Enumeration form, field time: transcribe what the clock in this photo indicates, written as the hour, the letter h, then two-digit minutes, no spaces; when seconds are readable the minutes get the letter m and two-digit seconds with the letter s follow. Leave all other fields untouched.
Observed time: 8h34m01s
